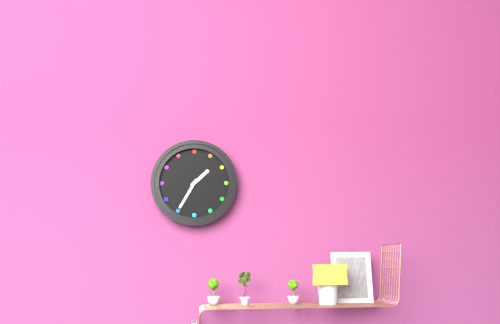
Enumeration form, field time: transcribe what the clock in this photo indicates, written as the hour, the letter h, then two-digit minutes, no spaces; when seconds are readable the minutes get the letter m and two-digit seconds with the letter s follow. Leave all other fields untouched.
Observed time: 1h35
